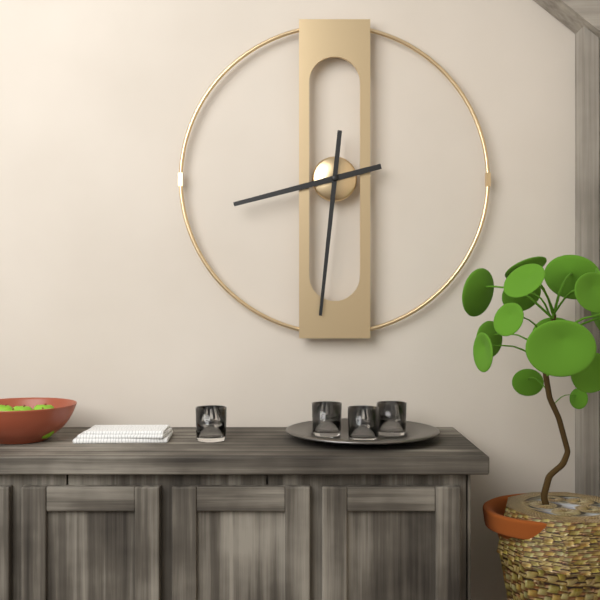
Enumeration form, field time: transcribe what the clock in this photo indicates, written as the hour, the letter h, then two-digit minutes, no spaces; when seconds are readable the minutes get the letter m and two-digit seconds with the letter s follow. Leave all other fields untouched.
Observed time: 8h31
